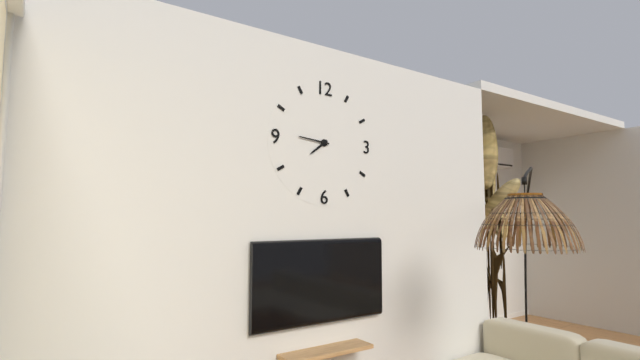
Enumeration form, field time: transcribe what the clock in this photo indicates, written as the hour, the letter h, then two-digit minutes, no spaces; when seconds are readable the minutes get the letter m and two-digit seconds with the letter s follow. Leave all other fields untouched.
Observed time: 7h46
